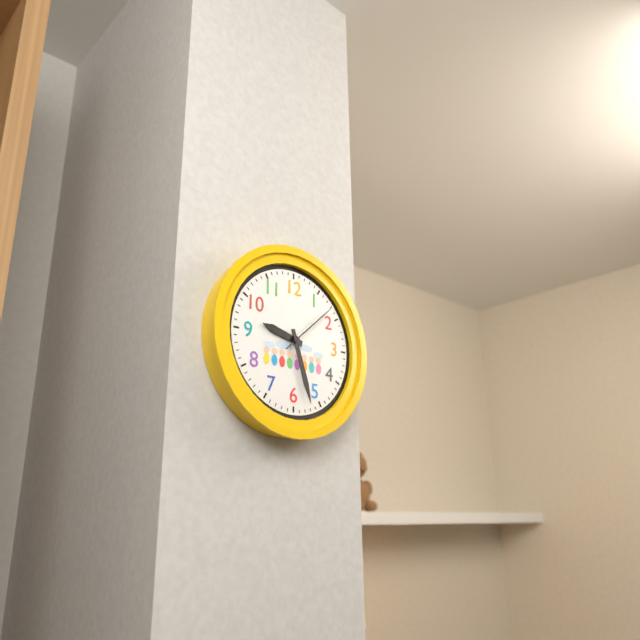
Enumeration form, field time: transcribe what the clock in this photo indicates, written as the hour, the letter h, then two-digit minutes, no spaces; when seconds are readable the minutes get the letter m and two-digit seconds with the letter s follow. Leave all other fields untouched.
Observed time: 9h27m08s
